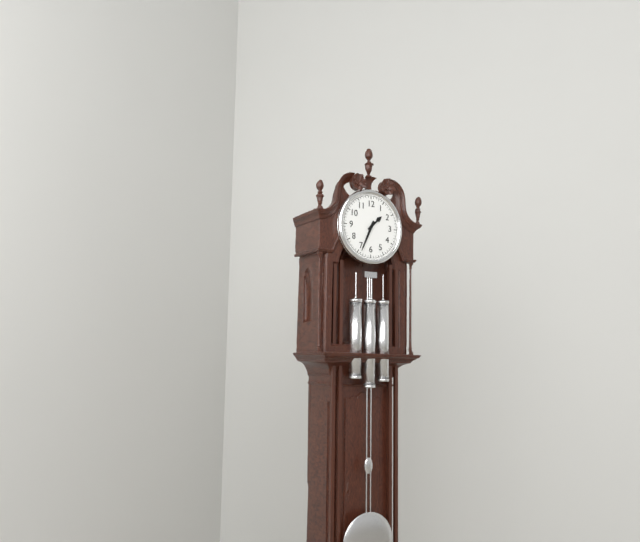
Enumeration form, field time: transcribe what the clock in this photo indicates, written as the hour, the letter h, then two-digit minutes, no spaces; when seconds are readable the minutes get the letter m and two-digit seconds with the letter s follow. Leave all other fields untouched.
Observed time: 1h34
